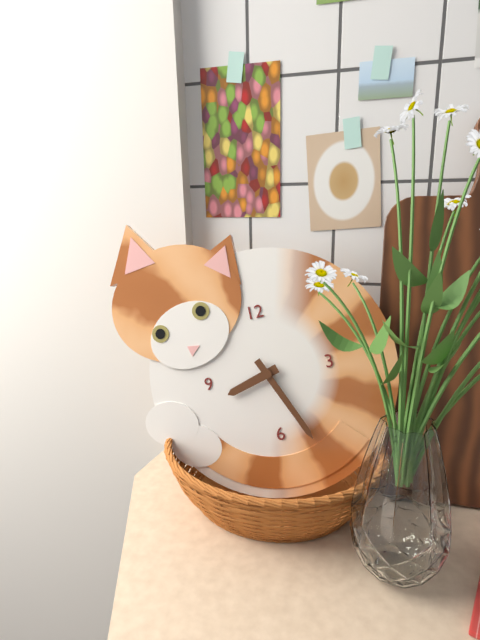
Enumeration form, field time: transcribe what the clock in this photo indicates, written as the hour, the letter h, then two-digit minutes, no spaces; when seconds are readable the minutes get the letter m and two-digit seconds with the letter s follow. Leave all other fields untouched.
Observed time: 8h26
